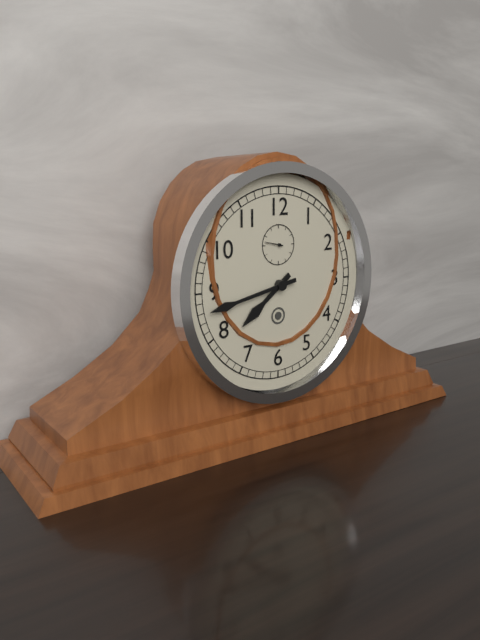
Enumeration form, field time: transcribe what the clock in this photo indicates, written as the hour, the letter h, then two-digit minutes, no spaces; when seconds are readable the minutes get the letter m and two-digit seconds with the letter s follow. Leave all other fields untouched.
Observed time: 7h43
